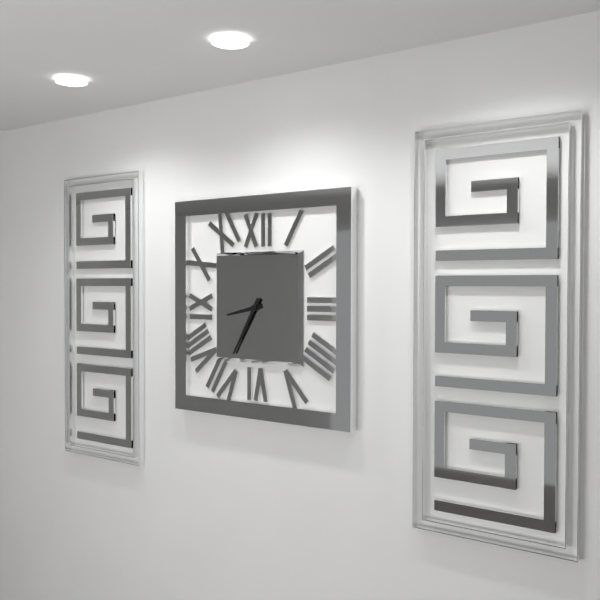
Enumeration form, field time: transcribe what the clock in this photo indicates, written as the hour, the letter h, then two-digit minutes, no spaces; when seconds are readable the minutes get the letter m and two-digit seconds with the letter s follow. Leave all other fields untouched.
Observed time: 8h35
